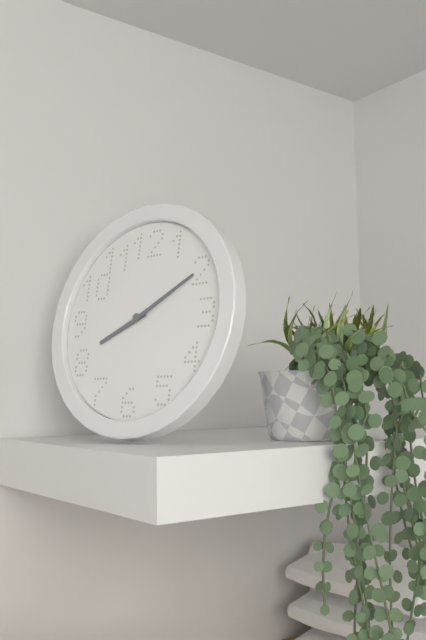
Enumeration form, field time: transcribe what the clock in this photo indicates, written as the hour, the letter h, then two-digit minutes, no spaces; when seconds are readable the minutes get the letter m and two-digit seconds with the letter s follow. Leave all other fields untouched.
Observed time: 8h10
